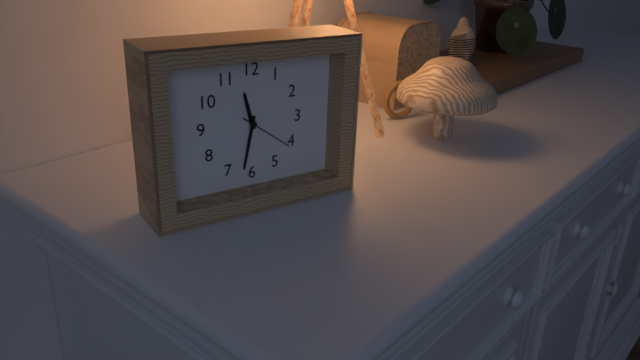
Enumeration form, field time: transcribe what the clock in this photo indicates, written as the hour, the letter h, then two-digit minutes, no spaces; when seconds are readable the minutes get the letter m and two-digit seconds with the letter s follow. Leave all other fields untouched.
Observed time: 11h32m21s
